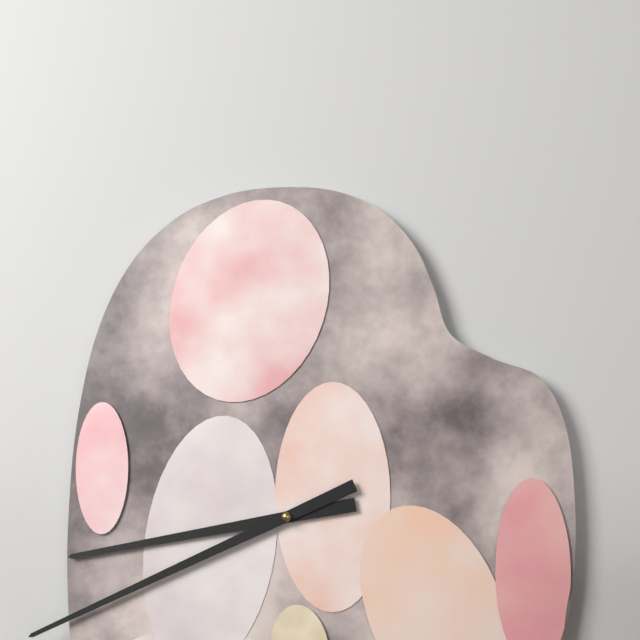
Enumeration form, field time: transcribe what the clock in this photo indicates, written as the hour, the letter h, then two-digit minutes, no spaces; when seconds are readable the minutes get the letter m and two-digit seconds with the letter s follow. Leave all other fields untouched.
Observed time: 8h41
